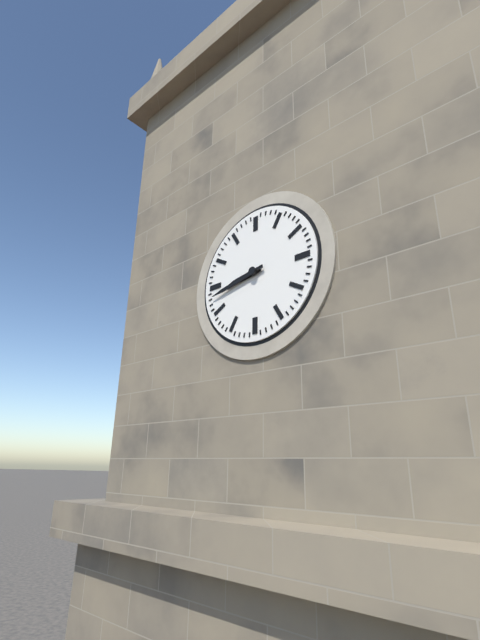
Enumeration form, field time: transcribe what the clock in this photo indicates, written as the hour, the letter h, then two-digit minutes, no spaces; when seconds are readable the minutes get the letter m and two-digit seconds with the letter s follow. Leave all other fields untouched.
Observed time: 8h43
